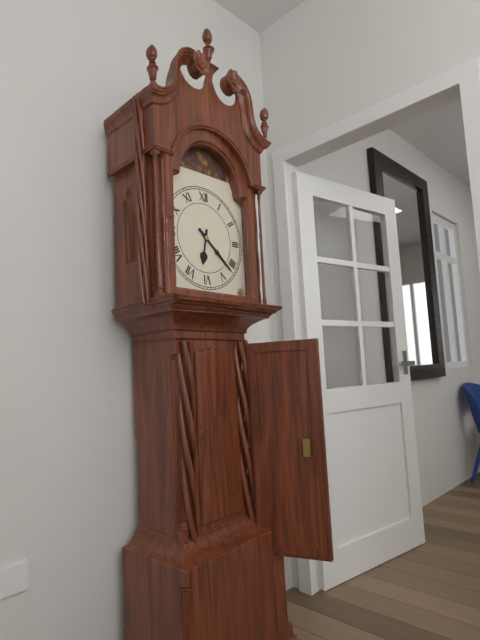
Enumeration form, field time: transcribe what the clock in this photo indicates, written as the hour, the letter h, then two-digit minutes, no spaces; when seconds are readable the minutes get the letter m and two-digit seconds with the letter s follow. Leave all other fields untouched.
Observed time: 6h22
